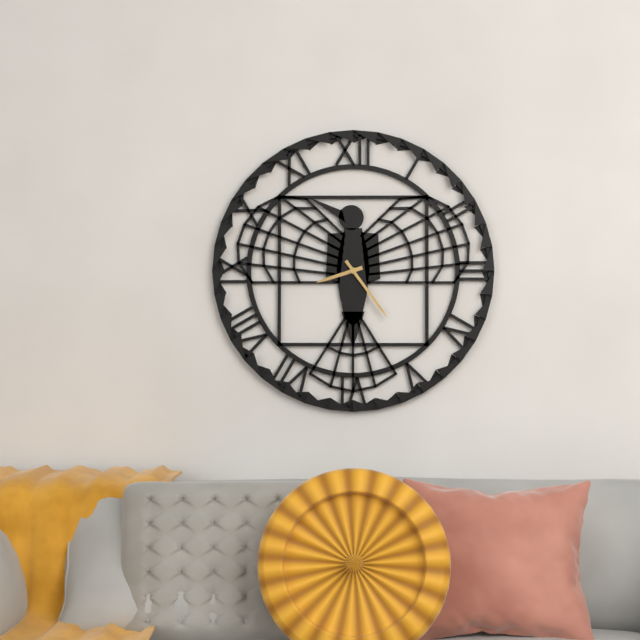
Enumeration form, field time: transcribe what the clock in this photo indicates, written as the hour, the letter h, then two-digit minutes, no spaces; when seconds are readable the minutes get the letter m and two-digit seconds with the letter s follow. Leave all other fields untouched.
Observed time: 8h24
